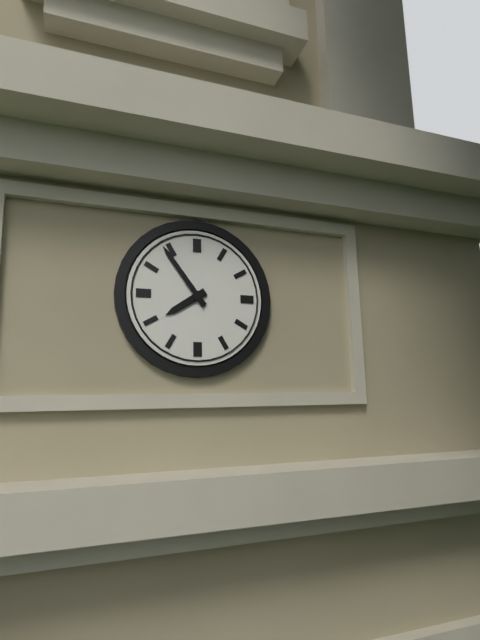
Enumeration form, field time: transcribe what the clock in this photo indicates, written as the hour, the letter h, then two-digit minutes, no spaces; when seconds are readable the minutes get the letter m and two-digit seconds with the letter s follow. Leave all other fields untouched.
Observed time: 7h54
